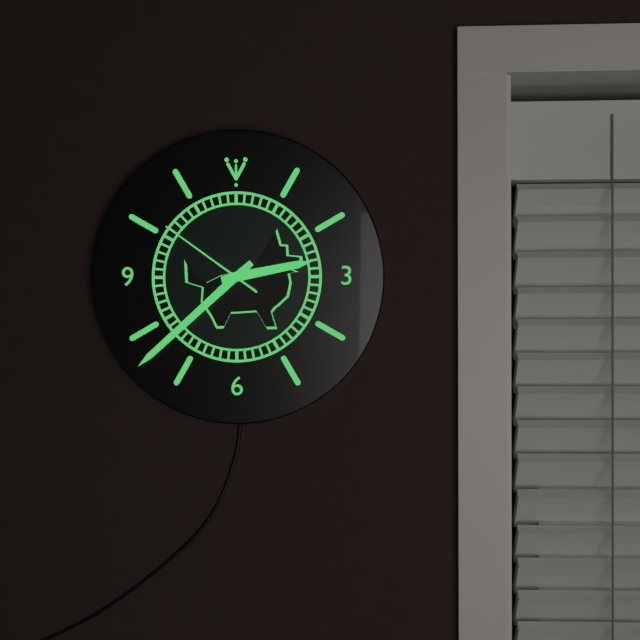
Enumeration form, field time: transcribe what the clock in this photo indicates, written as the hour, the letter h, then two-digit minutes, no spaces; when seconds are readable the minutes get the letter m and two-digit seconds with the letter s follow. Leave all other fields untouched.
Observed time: 2h38m51s
